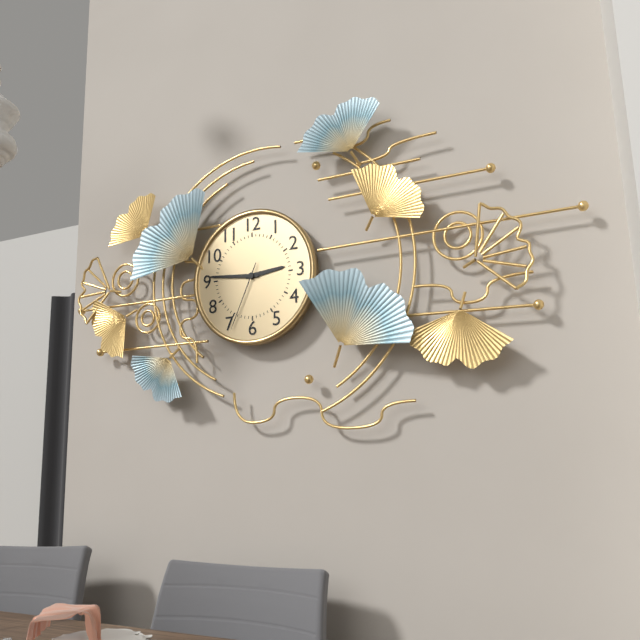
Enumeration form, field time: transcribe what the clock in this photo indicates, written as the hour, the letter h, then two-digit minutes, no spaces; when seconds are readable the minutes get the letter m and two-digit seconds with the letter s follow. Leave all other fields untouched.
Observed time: 2h46m34s
